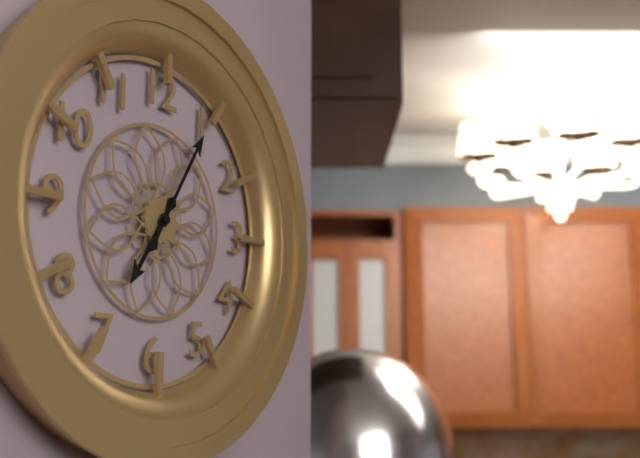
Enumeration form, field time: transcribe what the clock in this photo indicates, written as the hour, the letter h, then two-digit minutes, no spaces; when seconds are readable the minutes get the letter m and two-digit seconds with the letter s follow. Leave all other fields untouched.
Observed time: 7h05
